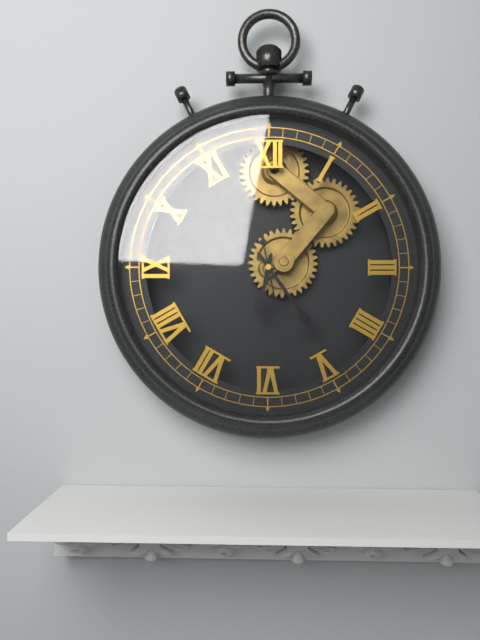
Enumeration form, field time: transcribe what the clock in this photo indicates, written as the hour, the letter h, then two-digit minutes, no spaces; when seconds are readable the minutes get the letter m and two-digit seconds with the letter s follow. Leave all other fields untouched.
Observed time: 6h24m28s
